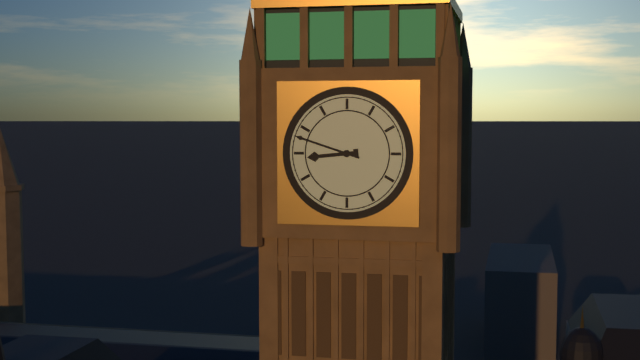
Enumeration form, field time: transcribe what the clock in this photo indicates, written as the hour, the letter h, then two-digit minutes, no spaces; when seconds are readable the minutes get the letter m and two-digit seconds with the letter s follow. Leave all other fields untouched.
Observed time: 8h48
